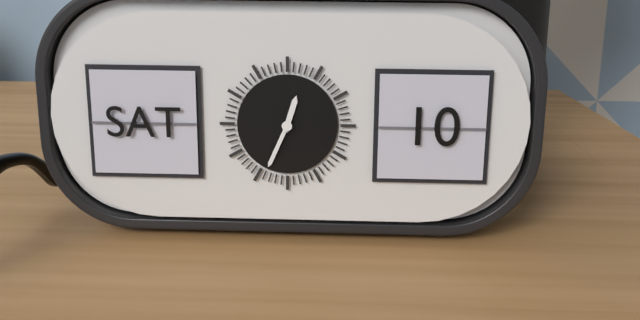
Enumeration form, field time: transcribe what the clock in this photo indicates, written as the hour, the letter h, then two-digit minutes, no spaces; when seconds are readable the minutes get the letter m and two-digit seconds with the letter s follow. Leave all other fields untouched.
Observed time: 12h34
